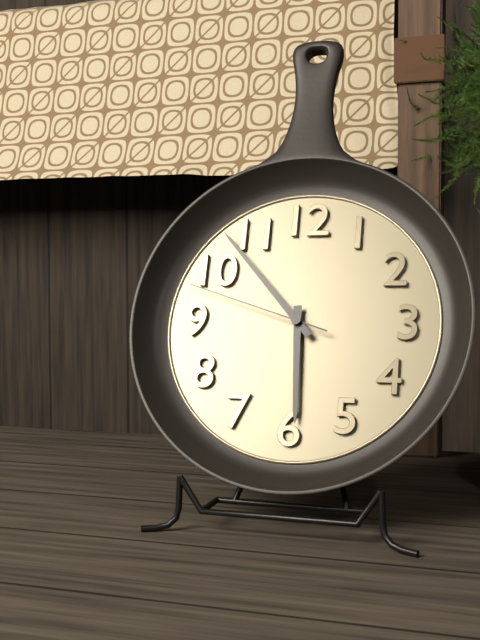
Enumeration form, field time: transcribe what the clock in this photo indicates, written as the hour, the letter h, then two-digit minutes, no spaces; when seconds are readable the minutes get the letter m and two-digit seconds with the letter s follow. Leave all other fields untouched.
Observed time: 5h53m48s
